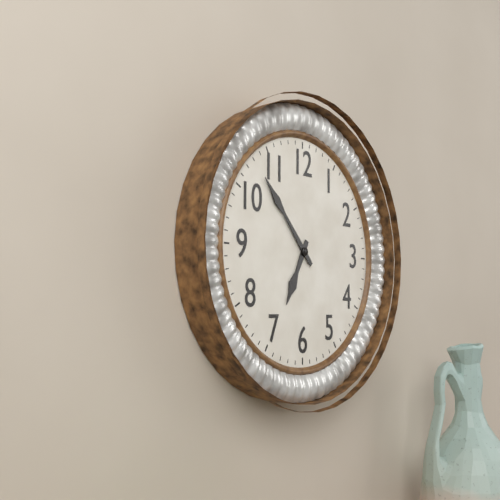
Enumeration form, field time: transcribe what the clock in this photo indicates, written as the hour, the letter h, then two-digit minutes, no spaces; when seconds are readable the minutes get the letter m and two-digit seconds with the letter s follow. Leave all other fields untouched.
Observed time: 6h53
